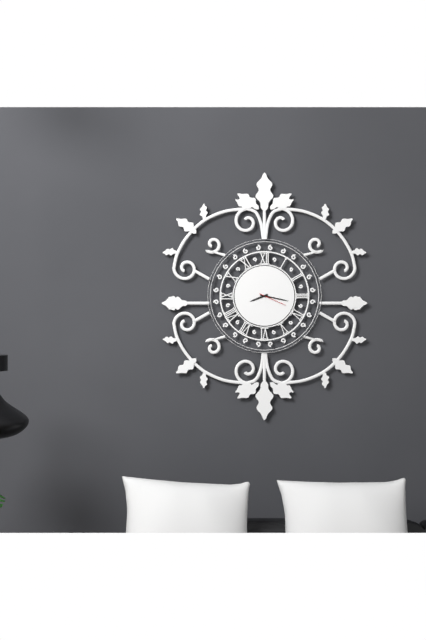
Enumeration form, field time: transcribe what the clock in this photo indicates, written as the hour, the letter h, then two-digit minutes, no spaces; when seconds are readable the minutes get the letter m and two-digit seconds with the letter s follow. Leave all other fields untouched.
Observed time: 8h17
